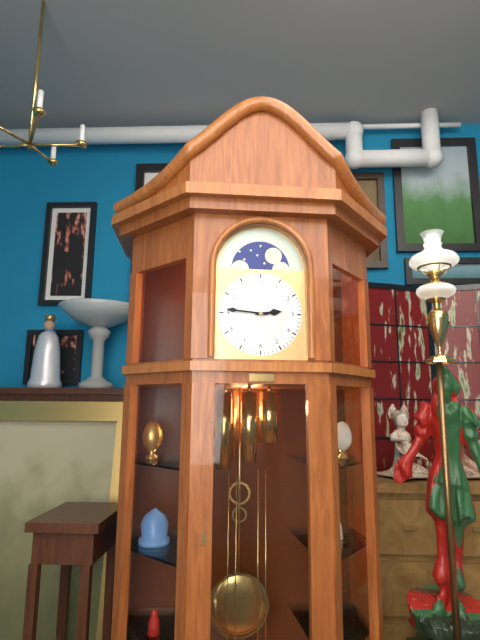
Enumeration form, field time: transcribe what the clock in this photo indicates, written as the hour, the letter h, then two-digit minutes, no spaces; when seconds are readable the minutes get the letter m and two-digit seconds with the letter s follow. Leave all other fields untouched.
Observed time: 2h46
